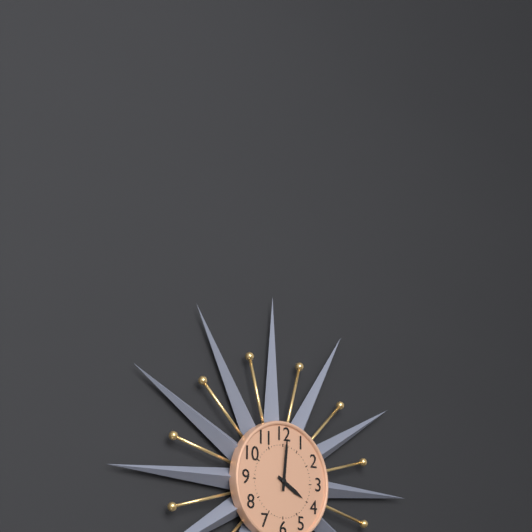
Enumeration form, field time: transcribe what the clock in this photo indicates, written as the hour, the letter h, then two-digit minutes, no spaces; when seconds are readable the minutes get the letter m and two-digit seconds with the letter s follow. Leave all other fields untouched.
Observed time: 4h01
